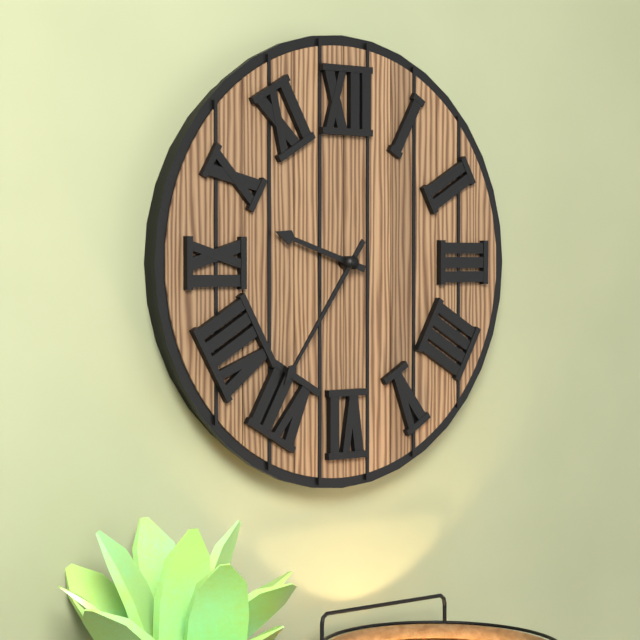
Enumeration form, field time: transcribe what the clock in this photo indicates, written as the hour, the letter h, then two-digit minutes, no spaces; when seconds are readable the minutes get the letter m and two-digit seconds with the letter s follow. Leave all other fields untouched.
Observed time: 9h36
